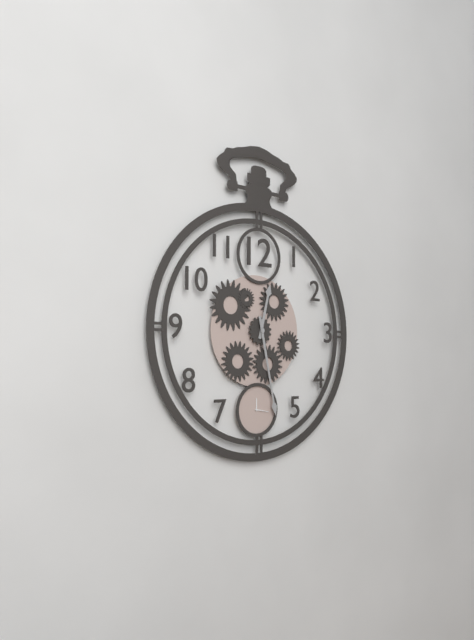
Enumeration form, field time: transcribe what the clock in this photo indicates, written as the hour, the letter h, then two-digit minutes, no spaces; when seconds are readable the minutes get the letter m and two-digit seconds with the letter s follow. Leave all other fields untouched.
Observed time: 12h28
